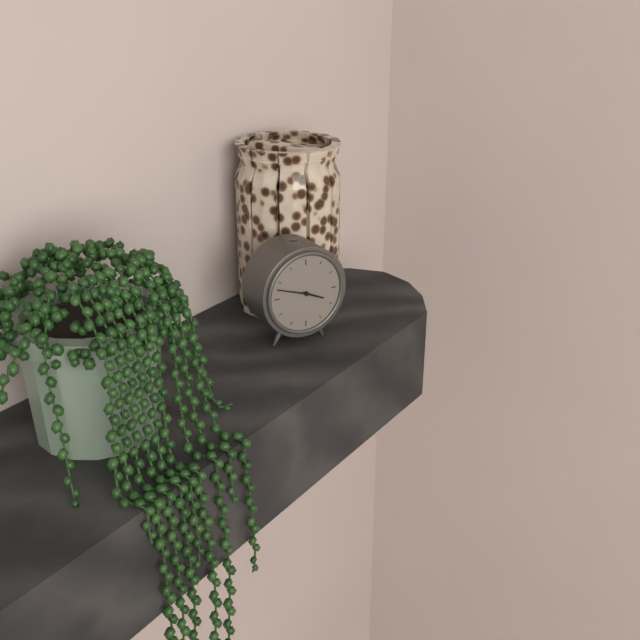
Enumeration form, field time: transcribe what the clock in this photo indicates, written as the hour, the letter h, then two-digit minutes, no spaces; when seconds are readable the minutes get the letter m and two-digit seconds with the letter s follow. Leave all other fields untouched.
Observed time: 3h48
